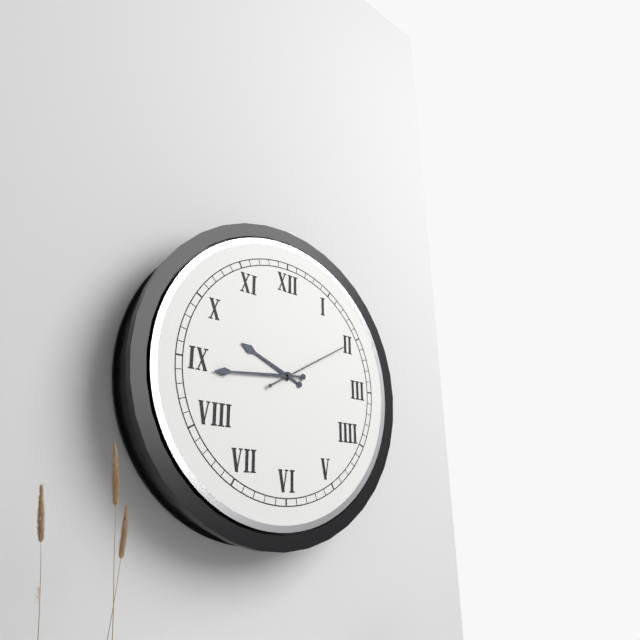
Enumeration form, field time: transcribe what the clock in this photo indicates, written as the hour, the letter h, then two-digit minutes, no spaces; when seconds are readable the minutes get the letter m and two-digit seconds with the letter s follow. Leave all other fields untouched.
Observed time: 9h44m10s
